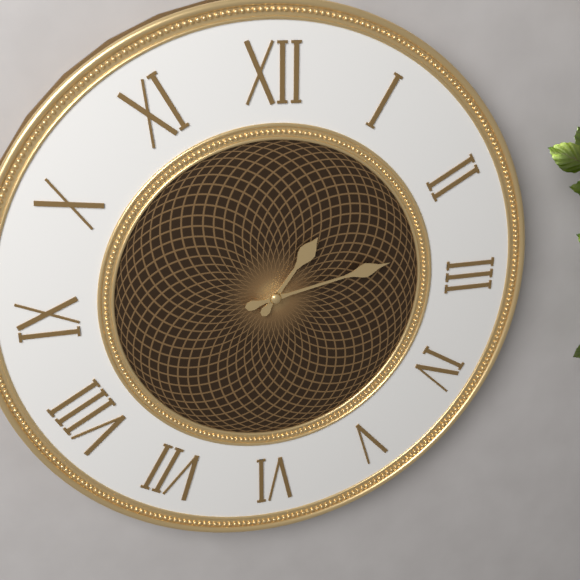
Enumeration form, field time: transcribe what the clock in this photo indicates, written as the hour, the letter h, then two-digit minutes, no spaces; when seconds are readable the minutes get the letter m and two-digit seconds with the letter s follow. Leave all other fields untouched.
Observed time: 1h13
